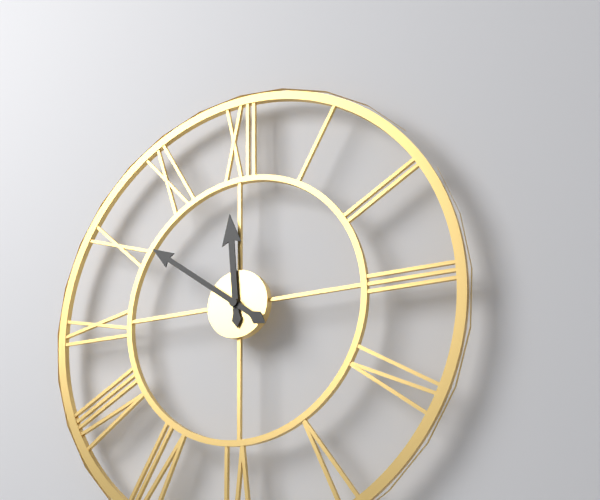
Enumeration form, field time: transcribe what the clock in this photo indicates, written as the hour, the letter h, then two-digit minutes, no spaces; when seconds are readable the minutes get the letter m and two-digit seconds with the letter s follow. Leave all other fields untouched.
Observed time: 11h51
